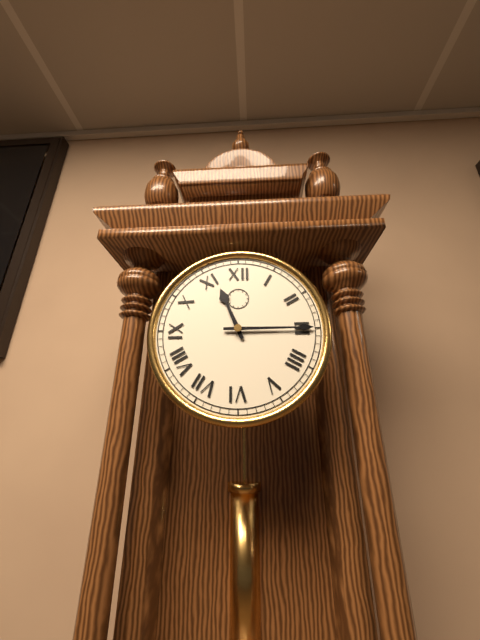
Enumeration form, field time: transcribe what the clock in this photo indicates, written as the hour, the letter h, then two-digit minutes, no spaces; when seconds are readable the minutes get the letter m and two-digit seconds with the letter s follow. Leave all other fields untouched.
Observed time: 11h15
